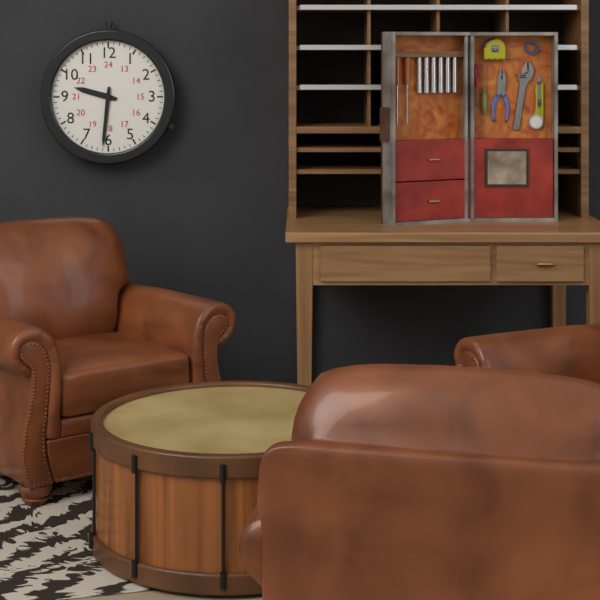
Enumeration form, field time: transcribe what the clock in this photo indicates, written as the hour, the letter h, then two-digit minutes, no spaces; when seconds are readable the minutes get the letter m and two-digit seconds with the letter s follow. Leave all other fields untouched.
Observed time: 9h31
